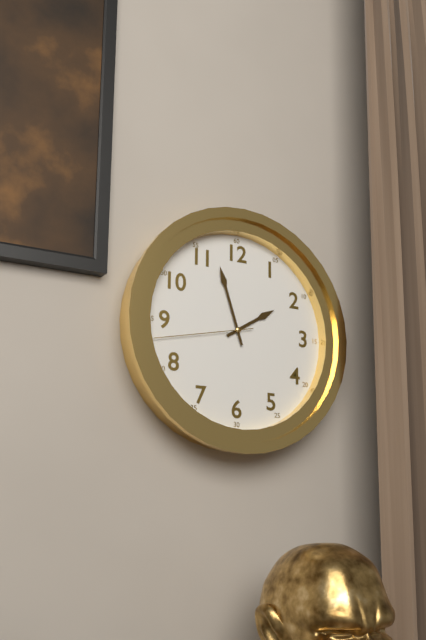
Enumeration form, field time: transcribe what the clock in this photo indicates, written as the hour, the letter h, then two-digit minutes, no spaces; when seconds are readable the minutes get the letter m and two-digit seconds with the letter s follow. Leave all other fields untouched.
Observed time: 1h57m43s
